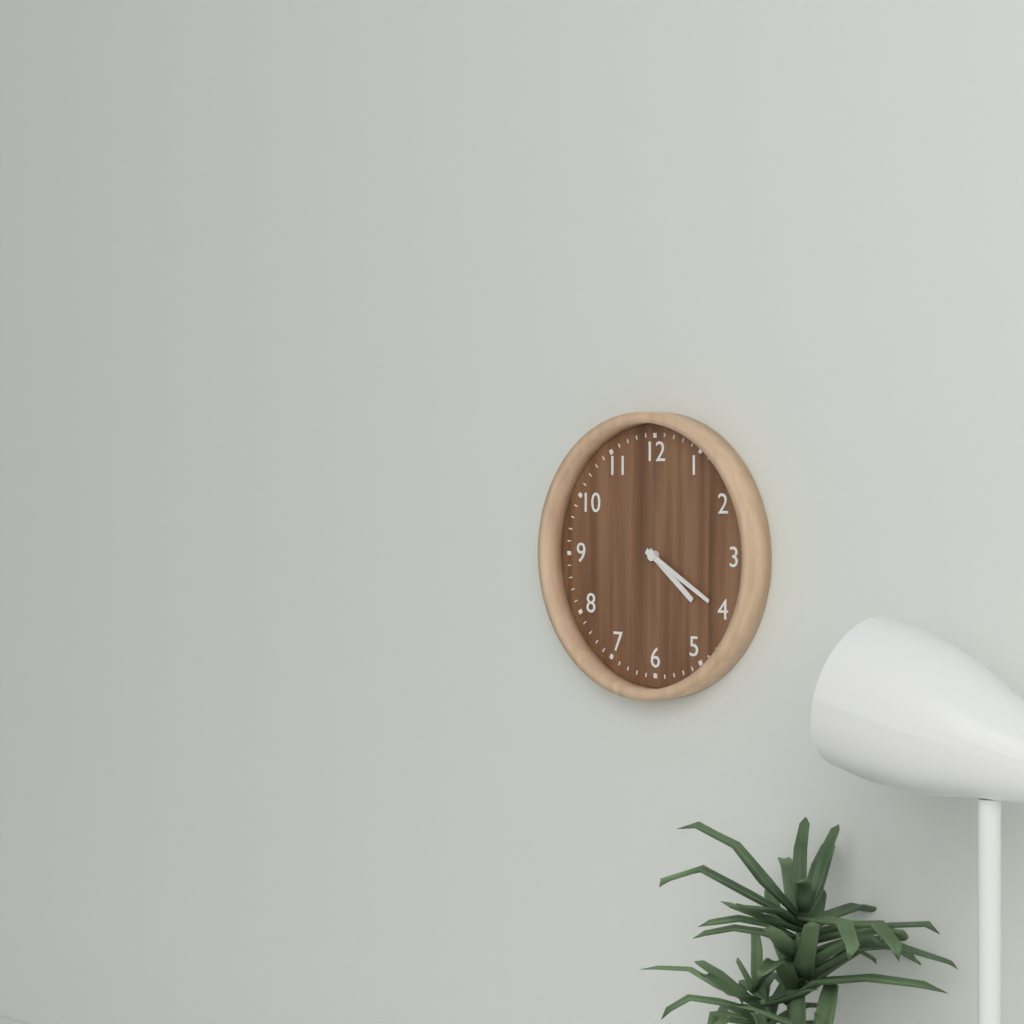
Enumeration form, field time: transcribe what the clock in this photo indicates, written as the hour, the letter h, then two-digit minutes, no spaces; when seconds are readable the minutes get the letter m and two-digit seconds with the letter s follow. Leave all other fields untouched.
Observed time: 4h20
